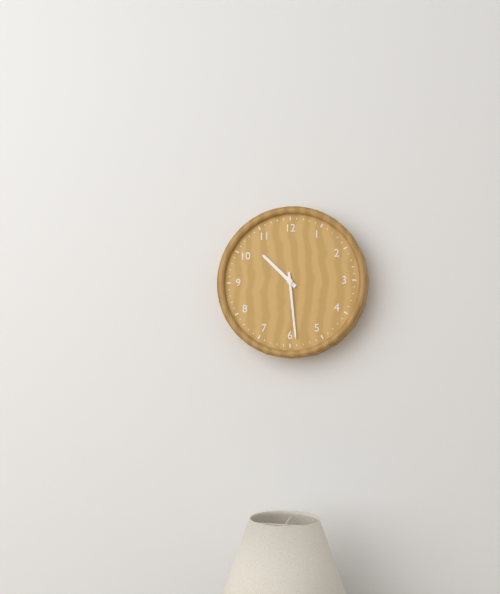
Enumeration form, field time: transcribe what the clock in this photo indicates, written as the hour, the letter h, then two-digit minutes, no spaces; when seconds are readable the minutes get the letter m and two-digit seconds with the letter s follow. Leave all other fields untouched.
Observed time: 10h29
